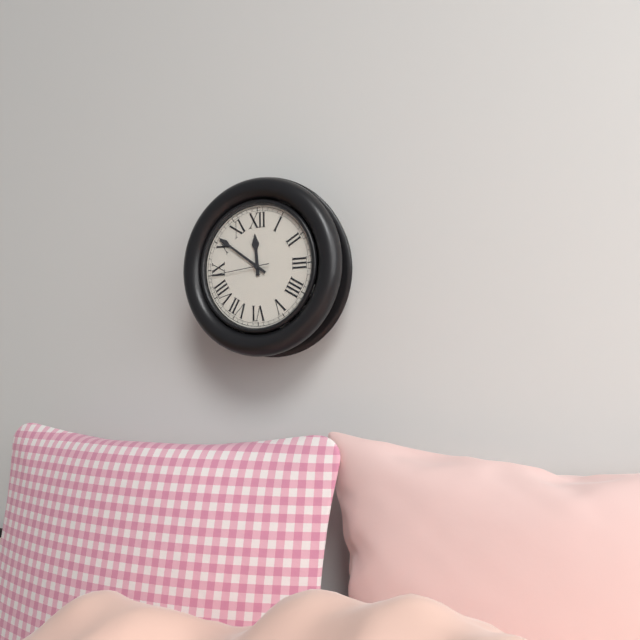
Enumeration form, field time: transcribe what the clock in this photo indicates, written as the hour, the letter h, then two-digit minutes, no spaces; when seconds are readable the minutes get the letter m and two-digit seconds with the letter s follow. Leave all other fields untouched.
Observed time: 11h51m44s
